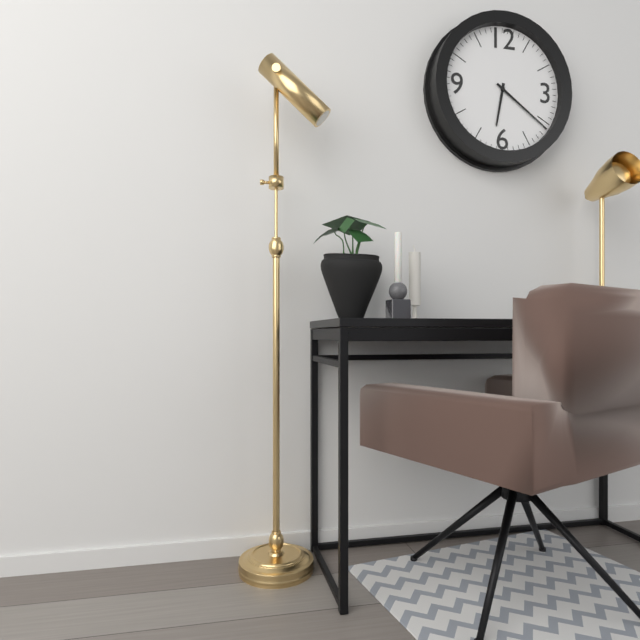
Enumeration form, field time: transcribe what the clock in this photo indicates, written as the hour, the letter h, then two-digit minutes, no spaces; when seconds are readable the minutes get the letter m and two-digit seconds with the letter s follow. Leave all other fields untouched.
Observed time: 6h21
